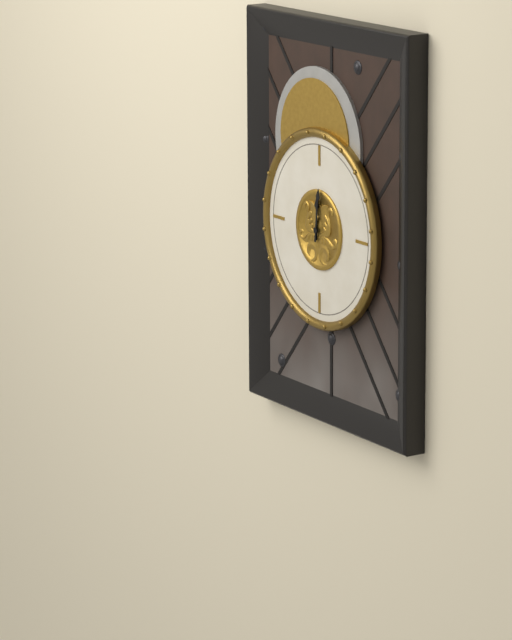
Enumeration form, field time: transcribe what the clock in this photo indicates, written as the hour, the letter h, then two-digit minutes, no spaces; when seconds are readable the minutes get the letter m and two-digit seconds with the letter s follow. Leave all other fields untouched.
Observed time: 12h01
